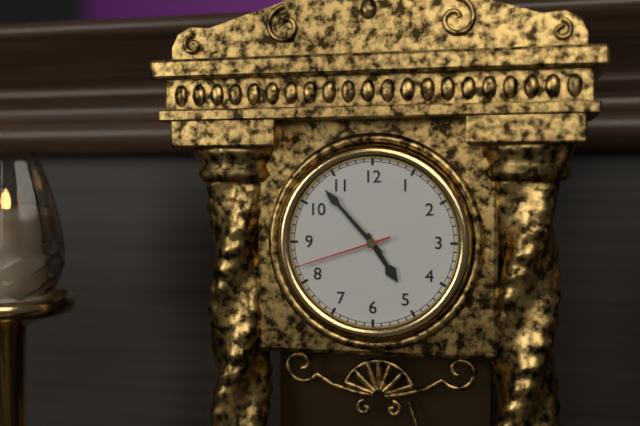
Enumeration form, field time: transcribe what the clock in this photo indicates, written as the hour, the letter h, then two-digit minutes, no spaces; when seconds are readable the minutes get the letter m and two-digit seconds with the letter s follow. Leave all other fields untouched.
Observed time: 4h53m42s
